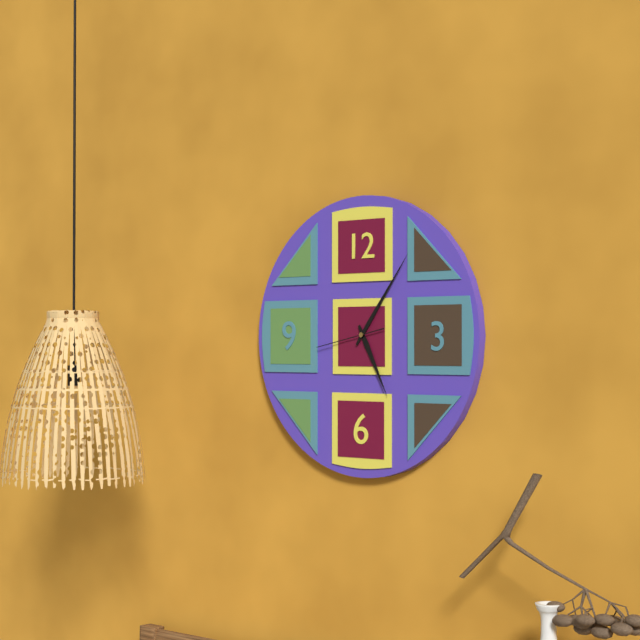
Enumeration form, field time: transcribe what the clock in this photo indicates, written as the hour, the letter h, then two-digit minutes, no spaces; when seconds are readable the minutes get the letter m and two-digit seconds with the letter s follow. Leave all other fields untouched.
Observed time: 5h06m43s
